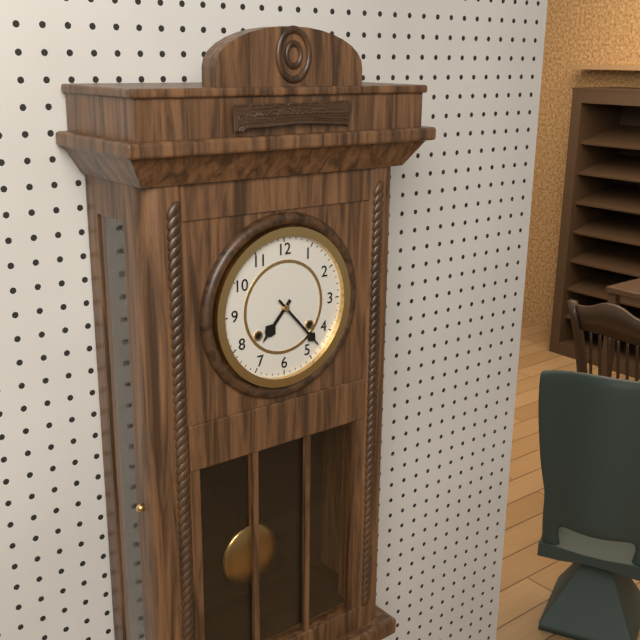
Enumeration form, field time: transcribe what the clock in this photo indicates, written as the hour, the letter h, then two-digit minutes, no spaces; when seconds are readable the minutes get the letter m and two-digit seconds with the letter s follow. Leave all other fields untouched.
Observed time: 7h23
